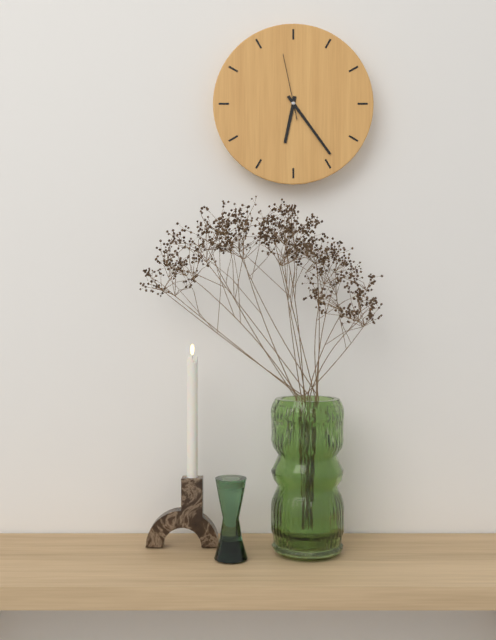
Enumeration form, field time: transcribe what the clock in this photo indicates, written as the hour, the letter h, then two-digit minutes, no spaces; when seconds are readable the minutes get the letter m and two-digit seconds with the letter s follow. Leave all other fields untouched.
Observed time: 6h24m58s
